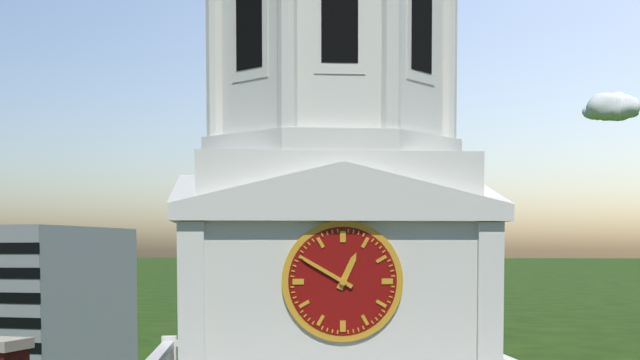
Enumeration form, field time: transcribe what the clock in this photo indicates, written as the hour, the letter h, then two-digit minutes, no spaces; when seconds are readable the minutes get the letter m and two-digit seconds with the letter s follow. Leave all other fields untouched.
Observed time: 12h50
